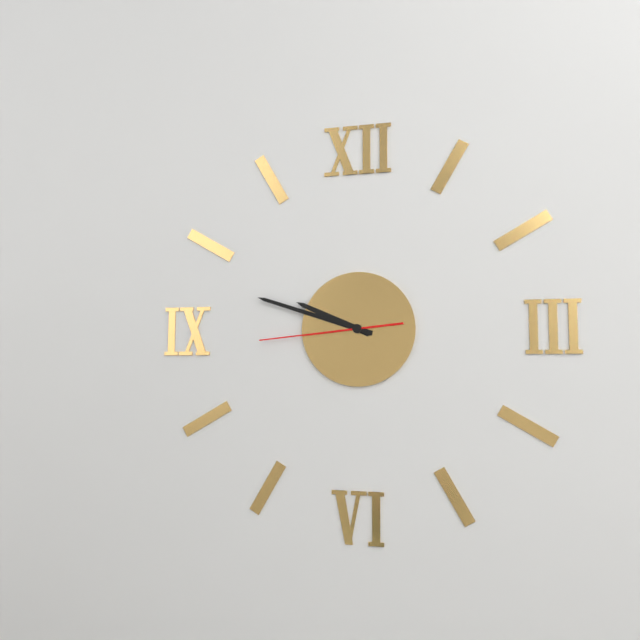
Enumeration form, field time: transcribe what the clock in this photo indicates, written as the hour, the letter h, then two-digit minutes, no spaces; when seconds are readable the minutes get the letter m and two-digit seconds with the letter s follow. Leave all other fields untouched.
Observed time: 9h48m44s
